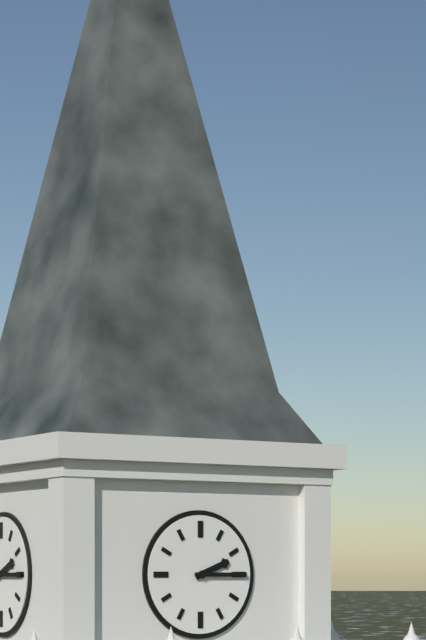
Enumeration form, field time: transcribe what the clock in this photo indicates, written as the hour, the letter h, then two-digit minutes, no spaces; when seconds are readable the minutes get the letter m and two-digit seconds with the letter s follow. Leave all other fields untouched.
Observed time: 2h15
